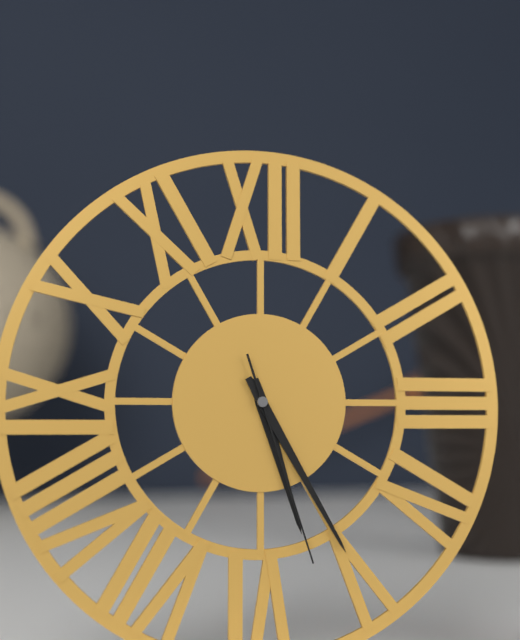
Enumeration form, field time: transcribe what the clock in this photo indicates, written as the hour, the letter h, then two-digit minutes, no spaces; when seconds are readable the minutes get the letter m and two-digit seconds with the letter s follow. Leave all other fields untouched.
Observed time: 5h25m27s
